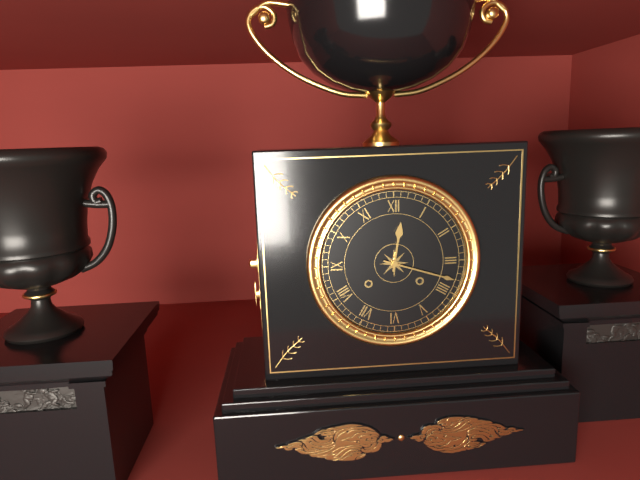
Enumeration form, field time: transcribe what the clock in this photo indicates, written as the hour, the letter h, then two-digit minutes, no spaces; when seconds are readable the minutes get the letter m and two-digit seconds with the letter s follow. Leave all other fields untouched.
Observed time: 12h18
